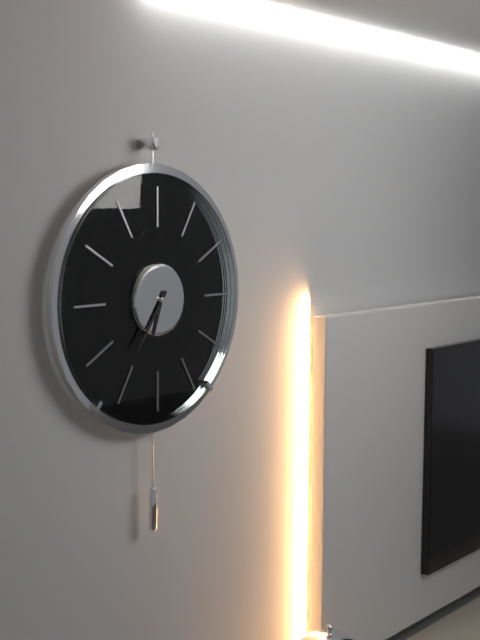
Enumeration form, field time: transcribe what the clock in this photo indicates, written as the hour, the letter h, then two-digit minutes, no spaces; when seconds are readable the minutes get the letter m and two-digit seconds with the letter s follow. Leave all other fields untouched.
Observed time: 6h36
